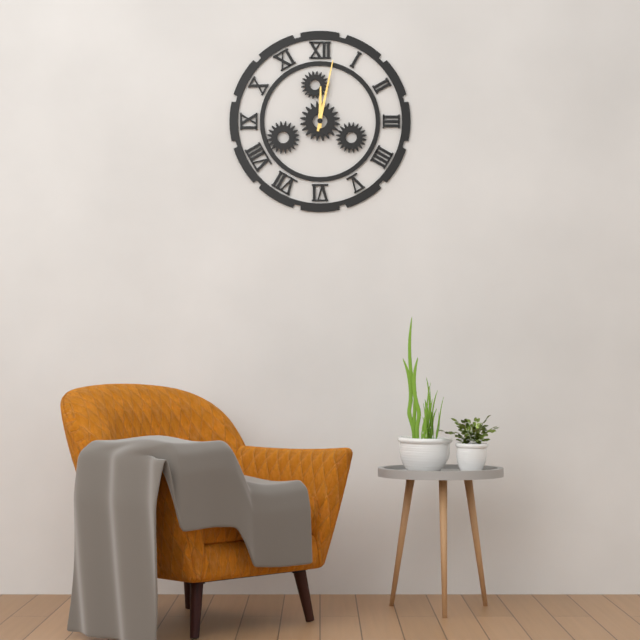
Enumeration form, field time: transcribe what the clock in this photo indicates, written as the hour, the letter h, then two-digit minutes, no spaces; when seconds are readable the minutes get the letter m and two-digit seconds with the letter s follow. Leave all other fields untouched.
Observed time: 12h02
